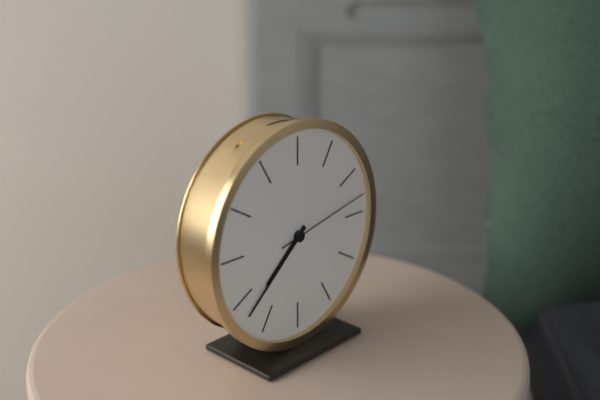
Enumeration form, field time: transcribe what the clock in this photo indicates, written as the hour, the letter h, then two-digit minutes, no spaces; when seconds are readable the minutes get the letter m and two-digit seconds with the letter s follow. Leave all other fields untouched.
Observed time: 7h38m13s
